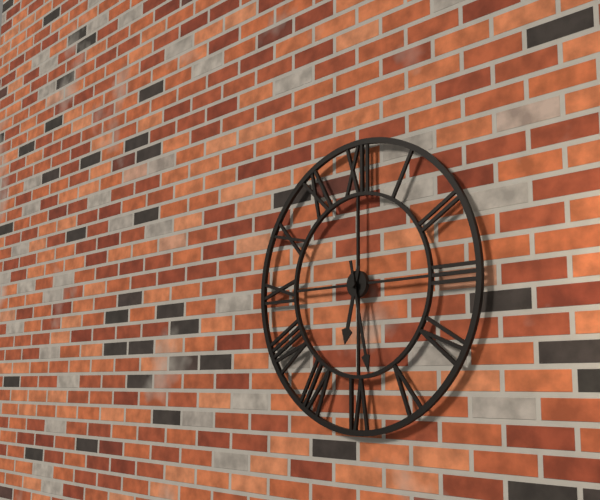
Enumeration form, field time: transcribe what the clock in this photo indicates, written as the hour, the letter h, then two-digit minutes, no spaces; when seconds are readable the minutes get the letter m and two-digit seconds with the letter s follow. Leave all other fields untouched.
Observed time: 6h28
